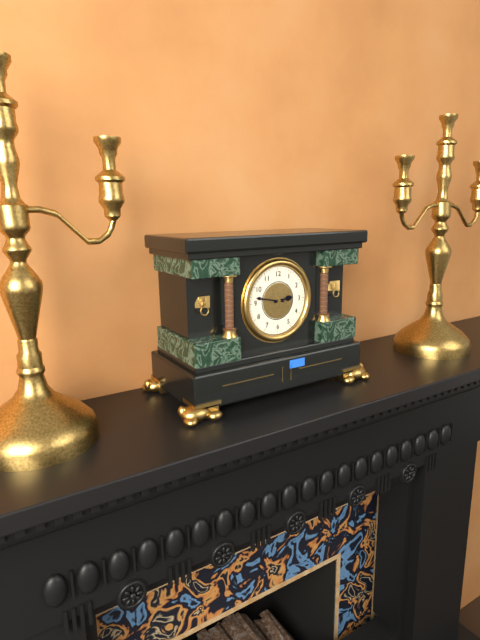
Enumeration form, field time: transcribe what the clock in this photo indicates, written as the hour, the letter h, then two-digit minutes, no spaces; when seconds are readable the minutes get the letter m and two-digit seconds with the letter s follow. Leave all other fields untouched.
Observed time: 2h47
